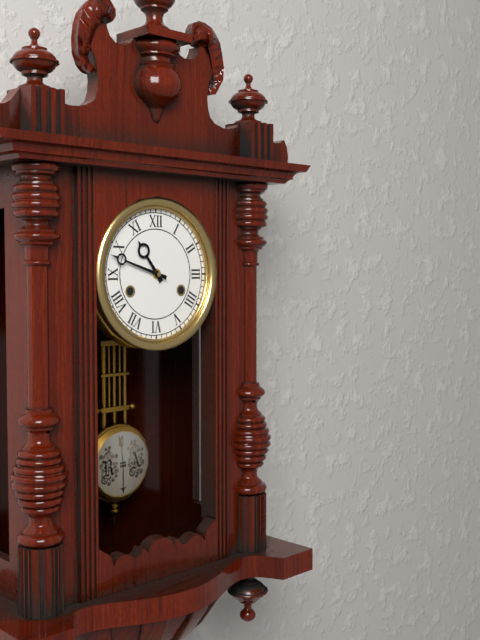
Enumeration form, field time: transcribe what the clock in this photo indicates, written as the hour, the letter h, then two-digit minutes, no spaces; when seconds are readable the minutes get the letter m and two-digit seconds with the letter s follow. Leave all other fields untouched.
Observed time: 10h48
